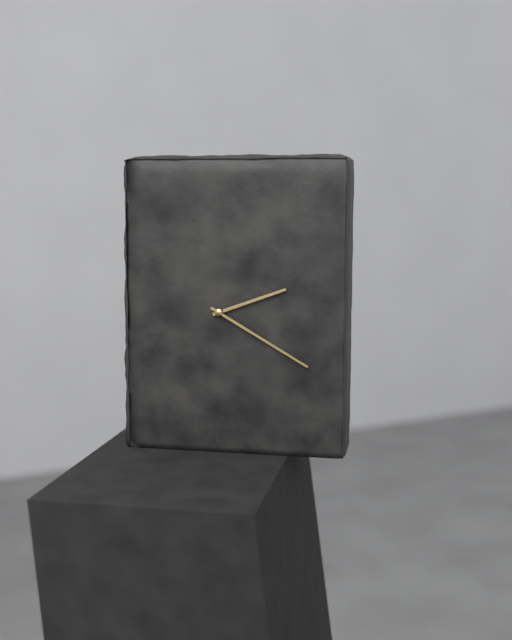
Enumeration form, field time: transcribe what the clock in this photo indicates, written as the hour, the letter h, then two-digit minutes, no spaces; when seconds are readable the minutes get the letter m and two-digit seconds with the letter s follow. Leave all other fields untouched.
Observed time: 2h20
